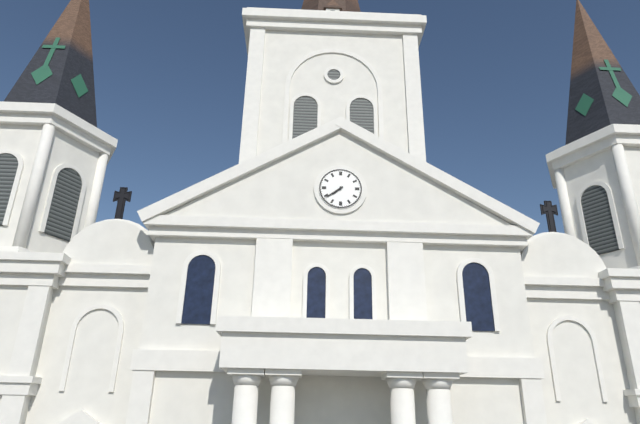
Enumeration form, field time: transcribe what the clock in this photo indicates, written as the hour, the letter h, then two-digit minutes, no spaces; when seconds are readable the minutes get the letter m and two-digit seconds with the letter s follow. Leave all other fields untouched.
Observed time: 7h39
